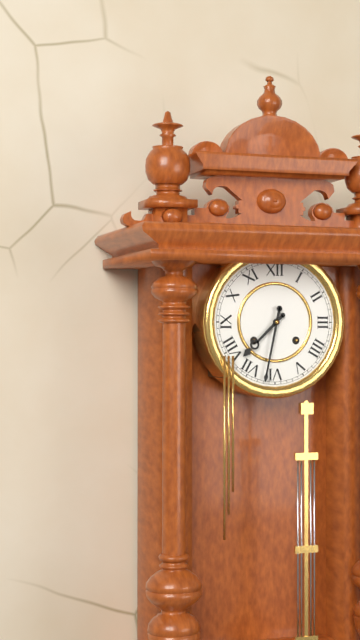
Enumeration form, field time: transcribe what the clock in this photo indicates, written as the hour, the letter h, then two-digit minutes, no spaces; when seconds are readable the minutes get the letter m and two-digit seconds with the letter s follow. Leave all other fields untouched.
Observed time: 7h32
